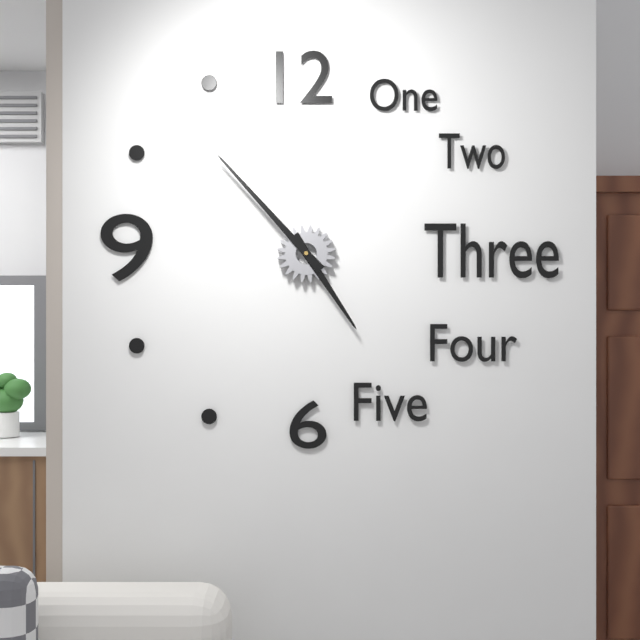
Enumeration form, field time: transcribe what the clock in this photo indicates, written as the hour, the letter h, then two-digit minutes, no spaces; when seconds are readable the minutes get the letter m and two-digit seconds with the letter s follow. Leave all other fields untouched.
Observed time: 4h53
